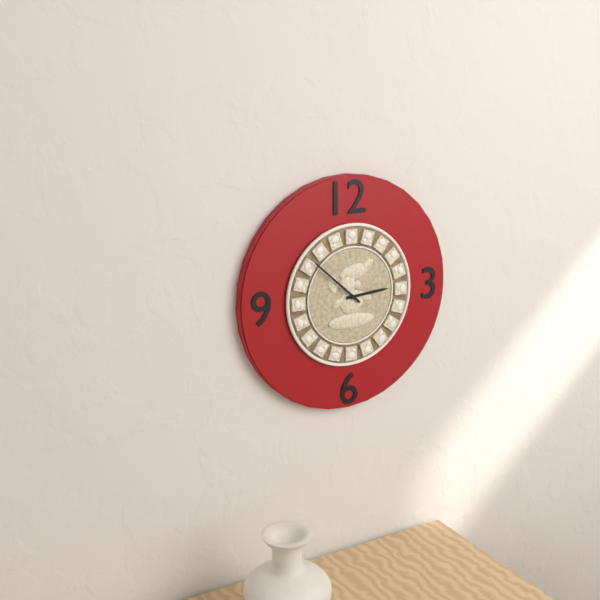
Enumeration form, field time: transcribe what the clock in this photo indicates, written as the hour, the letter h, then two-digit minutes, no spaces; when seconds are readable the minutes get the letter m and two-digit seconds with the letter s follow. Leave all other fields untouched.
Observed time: 2h52
